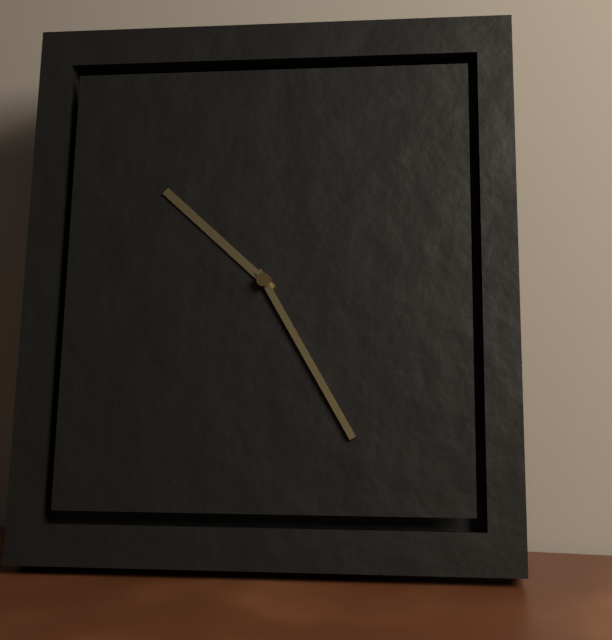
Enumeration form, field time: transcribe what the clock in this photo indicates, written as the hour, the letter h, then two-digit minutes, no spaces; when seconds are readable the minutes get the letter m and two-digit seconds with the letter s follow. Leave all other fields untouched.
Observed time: 10h25
